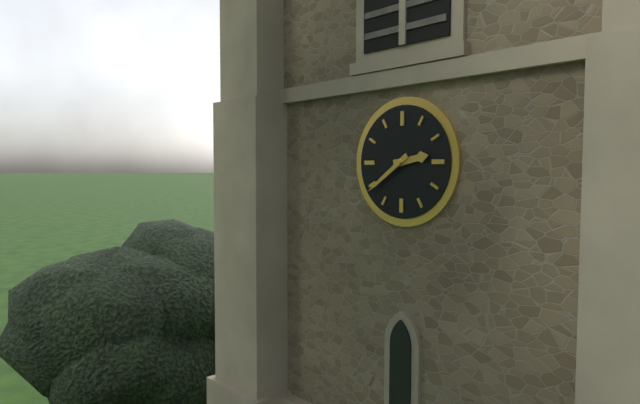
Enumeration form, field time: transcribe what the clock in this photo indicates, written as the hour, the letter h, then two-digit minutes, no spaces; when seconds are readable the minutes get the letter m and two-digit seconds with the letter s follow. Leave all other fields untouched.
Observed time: 2h39
